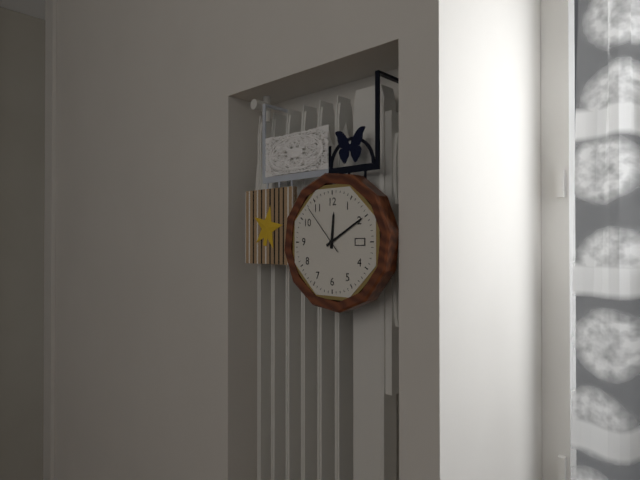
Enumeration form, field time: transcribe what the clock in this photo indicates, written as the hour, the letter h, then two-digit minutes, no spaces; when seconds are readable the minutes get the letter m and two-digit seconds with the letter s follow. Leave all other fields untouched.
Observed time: 12h10m53s
